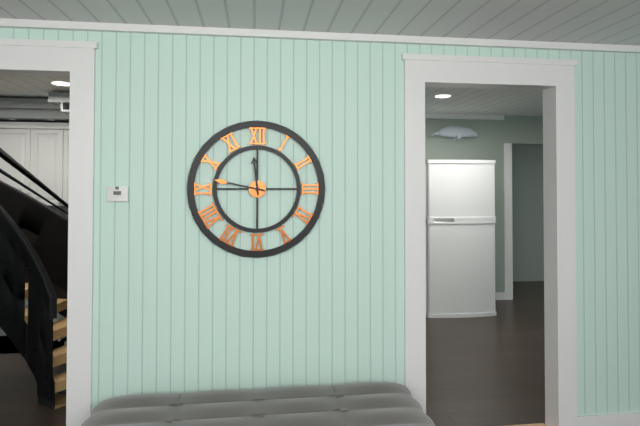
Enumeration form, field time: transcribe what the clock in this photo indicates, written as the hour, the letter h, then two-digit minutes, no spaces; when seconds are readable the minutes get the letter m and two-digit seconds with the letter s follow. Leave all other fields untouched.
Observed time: 11h47
